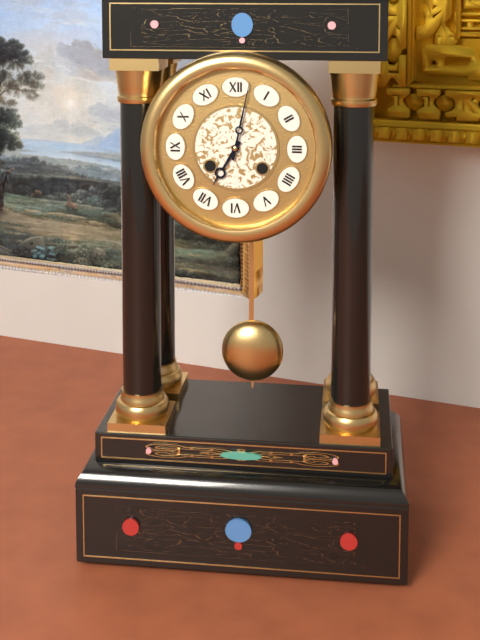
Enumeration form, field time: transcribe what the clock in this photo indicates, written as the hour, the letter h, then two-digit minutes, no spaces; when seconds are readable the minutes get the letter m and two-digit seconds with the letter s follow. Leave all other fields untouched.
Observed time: 7h02
